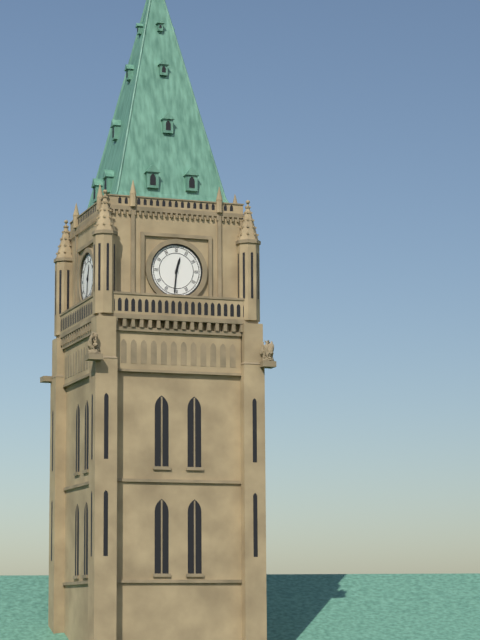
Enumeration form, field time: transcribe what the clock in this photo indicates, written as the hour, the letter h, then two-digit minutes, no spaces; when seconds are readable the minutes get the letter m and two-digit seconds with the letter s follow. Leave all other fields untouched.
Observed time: 12h31
